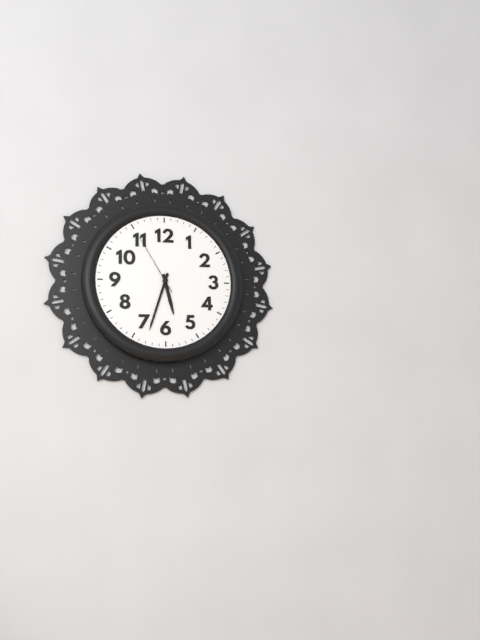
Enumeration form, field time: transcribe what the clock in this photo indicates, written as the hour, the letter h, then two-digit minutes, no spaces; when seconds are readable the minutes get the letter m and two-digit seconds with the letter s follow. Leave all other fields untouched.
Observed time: 5h33m55s
